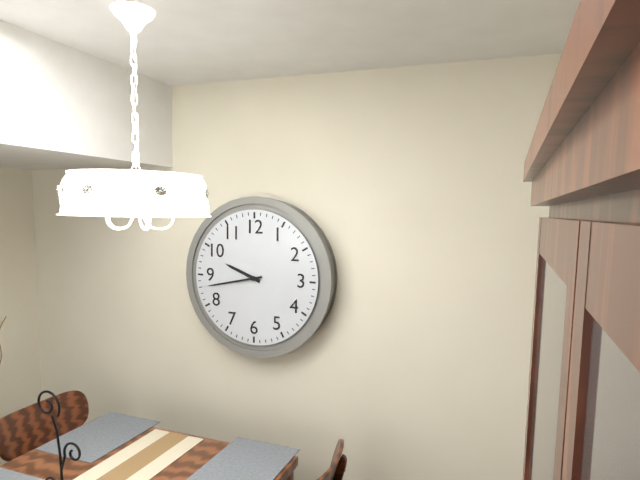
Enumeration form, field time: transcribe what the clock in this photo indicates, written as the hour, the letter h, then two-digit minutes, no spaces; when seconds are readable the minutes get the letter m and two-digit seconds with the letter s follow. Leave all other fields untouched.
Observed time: 9h43
